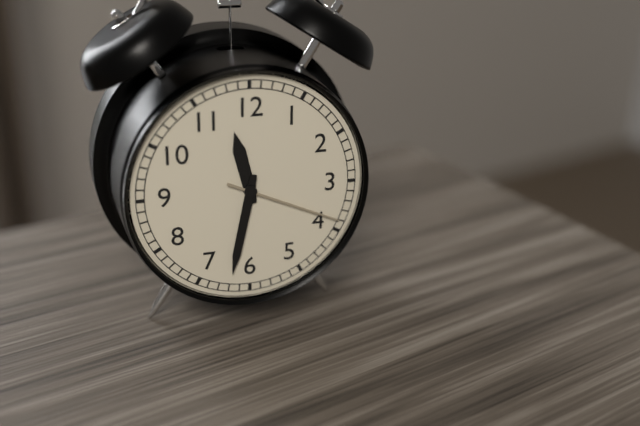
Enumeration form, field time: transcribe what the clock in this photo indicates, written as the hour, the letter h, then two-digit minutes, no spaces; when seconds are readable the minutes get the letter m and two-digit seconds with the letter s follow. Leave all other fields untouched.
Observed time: 11h32m19s
